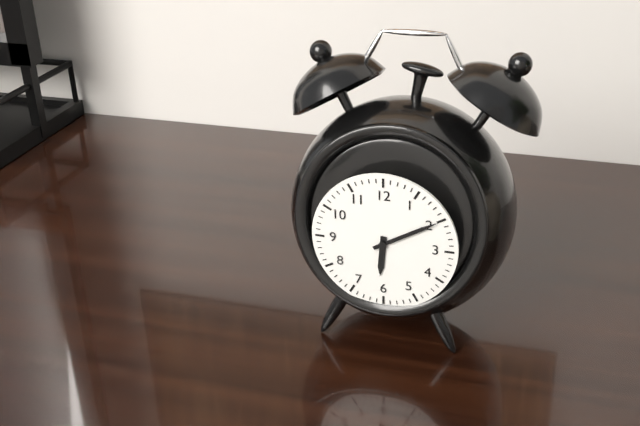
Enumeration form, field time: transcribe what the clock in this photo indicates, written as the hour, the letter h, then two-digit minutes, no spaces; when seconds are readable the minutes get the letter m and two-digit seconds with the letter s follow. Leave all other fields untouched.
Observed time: 6h10
